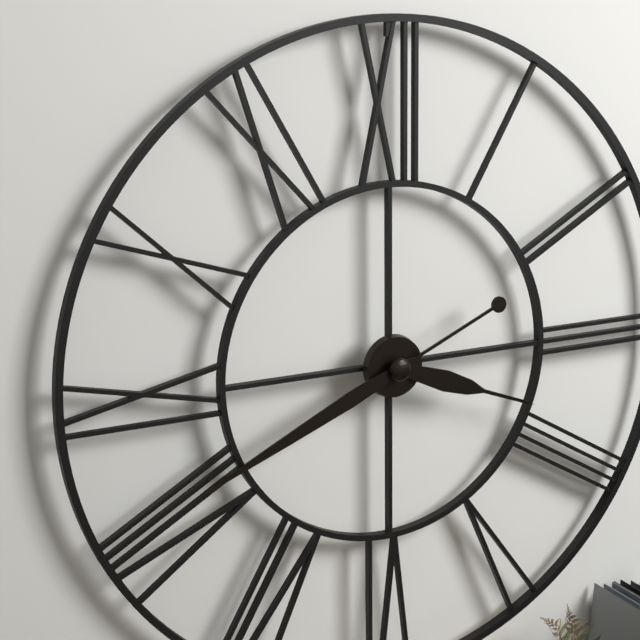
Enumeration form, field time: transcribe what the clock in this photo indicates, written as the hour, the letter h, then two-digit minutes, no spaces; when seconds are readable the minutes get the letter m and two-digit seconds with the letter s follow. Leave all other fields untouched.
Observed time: 3h41
